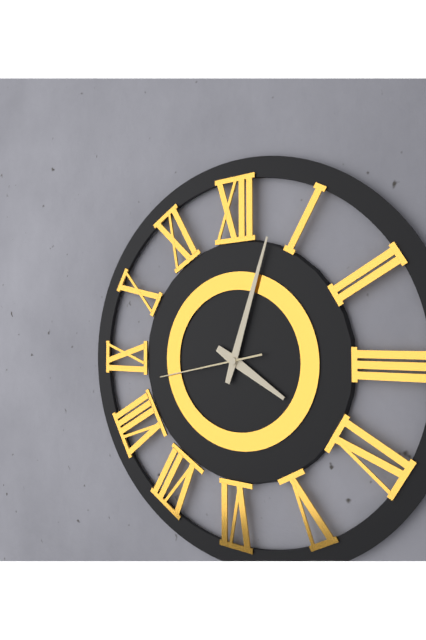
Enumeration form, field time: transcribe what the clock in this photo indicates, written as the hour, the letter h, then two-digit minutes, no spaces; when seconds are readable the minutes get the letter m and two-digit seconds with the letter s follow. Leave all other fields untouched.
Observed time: 4h03m43s
